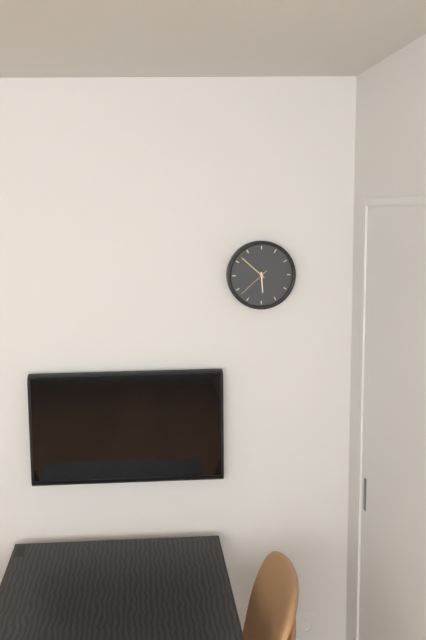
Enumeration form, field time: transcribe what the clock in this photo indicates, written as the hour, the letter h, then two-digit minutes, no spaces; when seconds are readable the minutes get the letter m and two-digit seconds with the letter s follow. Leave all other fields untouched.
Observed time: 5h52
